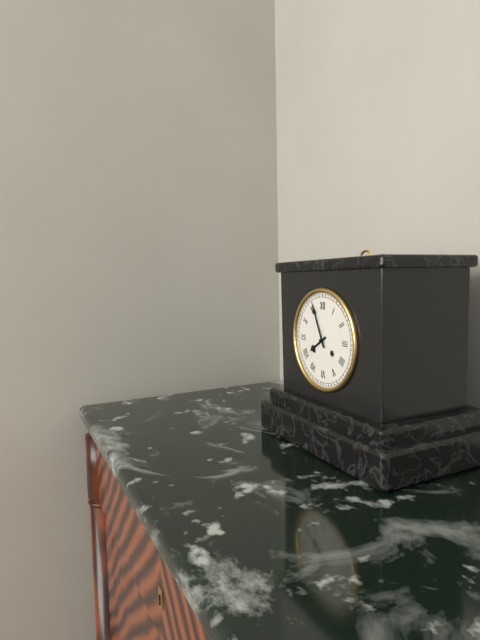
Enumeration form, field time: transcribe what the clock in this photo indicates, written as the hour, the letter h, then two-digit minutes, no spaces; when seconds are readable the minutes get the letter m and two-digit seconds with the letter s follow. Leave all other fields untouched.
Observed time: 7h56
